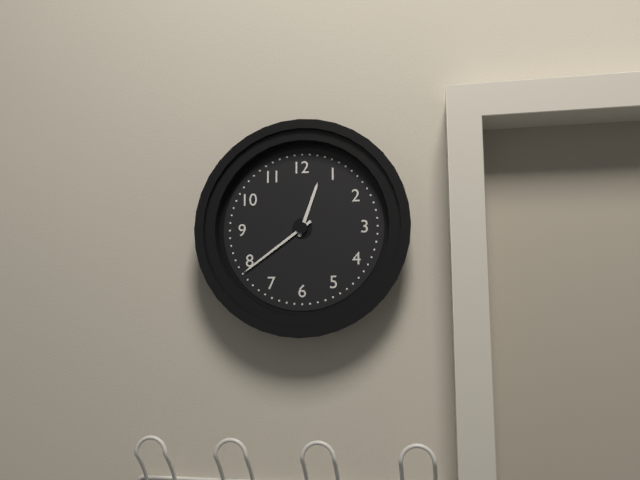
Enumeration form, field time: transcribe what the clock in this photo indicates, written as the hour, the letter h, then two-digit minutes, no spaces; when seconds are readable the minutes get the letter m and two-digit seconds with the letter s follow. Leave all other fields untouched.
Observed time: 12h39
